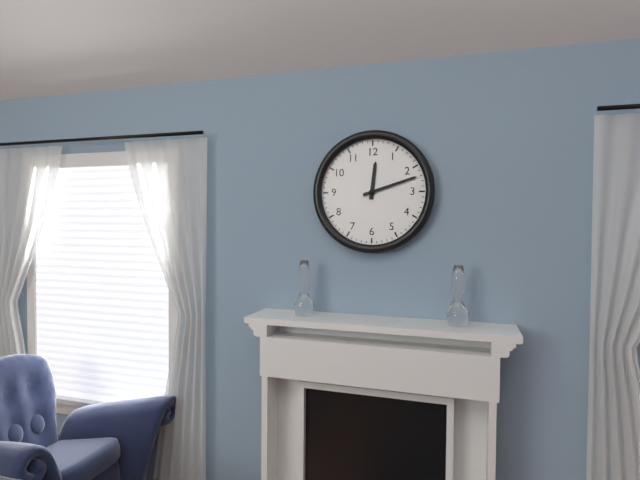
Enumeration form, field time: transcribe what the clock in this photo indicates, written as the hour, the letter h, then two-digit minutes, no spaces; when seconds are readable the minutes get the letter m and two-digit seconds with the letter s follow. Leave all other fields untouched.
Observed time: 12h12
